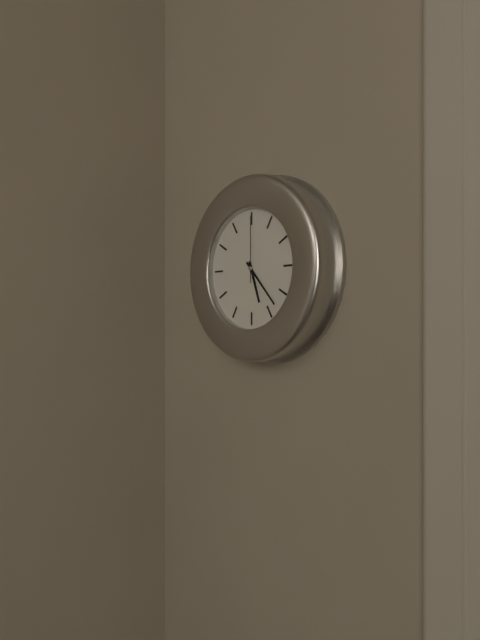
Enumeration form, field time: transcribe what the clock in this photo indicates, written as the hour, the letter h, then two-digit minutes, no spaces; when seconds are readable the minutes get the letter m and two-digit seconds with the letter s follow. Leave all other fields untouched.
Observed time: 5h23m00s
